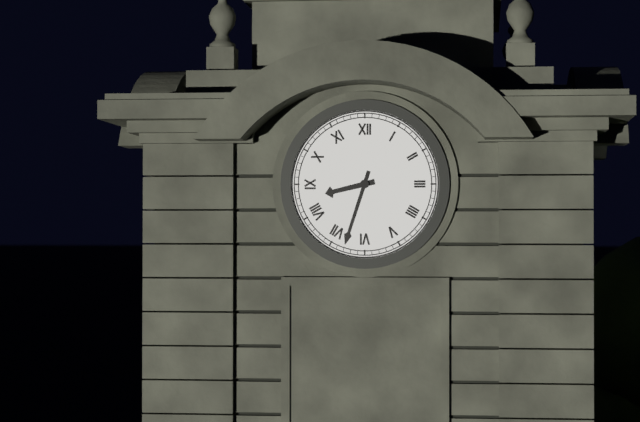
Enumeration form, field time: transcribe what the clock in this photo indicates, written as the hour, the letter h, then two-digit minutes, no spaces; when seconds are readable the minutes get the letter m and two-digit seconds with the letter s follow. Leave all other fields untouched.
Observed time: 8h33
